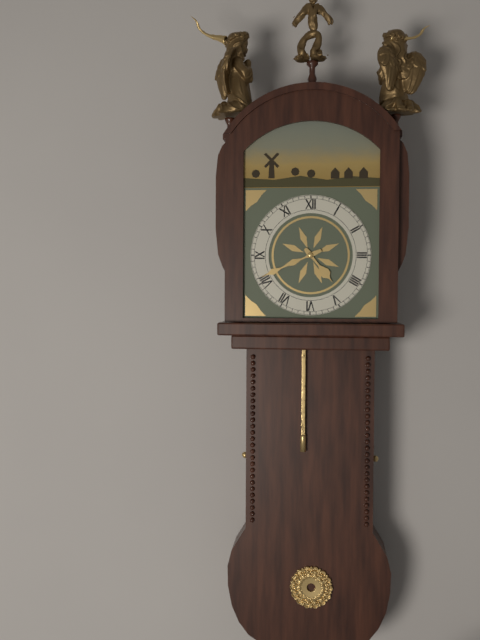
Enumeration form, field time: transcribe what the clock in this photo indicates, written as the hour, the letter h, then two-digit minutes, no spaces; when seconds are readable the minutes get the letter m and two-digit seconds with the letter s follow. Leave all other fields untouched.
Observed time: 4h41
